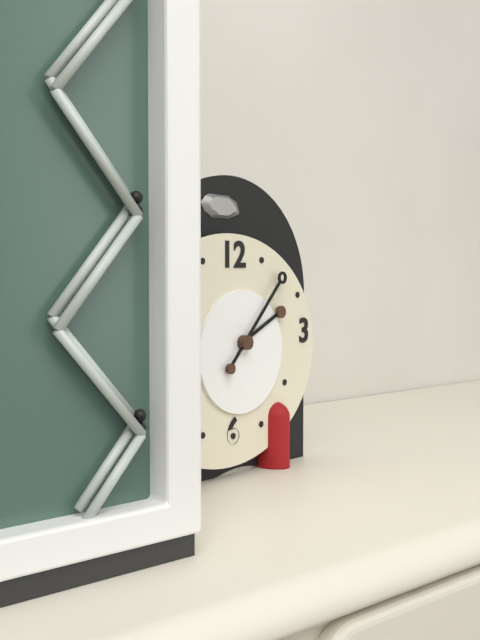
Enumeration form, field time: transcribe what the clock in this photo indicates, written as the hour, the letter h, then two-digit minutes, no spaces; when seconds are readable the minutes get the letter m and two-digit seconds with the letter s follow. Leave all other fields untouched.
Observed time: 2h07
